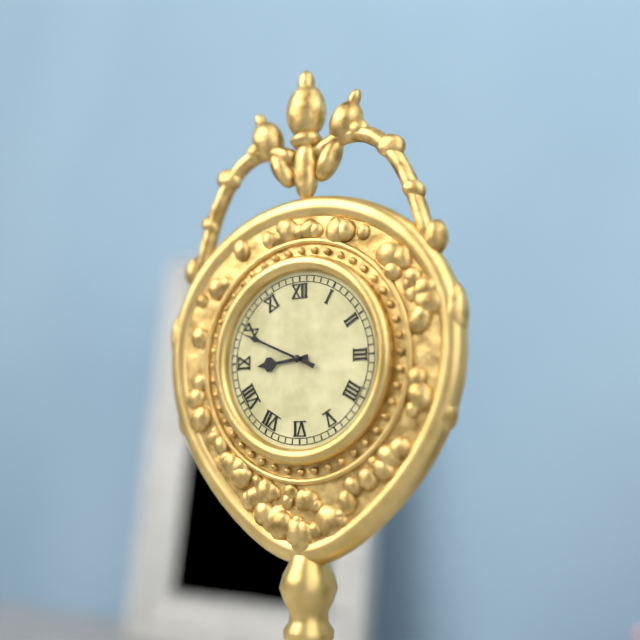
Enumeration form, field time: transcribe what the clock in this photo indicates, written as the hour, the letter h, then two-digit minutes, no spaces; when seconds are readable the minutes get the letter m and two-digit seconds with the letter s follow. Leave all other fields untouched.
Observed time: 8h49
